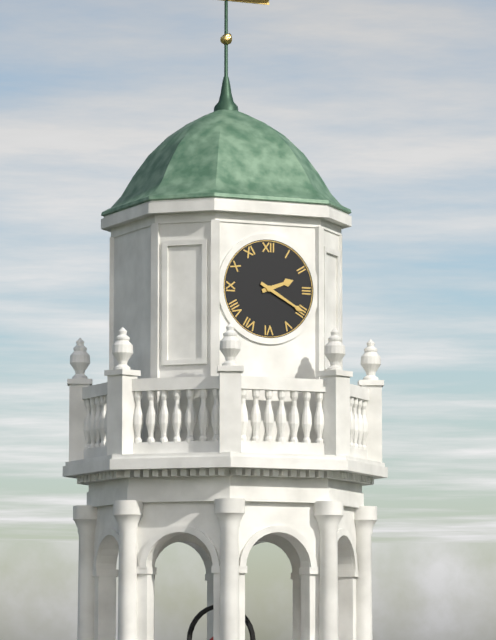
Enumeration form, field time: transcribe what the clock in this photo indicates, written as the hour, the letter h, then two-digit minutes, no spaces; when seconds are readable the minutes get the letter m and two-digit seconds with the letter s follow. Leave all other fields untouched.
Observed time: 2h20
